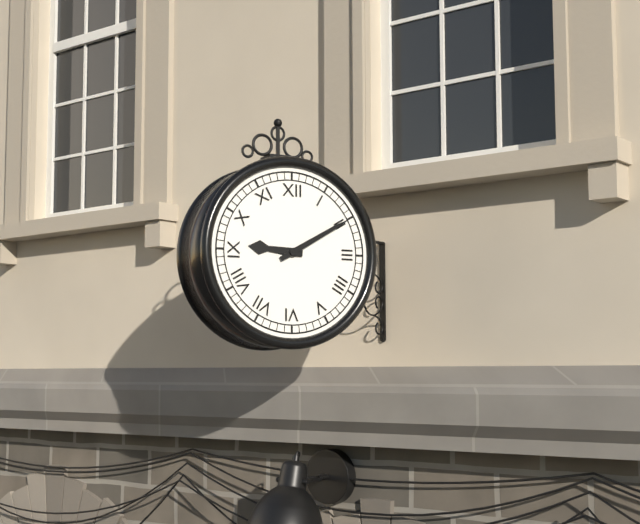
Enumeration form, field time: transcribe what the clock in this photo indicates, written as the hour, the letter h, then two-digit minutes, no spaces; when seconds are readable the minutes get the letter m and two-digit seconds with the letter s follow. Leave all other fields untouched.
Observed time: 9h10
